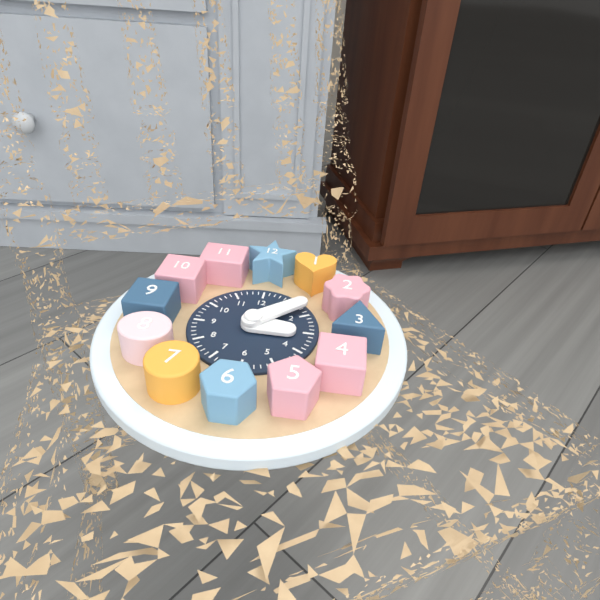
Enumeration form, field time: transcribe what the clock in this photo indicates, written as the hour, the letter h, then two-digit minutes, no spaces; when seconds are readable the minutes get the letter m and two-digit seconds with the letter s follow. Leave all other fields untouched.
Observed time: 3h08
